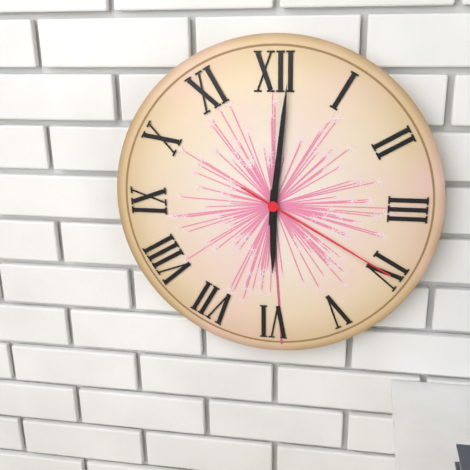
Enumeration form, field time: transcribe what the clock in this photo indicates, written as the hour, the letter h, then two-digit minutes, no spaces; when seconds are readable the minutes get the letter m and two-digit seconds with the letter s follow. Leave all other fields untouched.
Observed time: 6h01m20s
